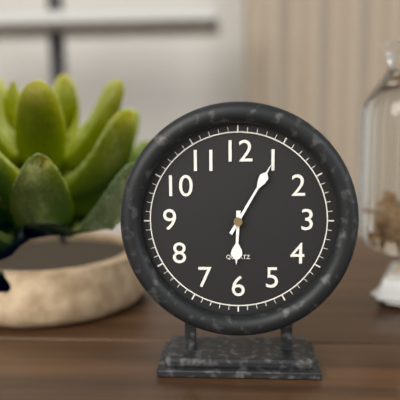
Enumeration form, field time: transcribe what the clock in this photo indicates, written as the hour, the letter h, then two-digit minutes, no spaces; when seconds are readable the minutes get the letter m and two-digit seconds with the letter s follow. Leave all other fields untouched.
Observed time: 6h05
